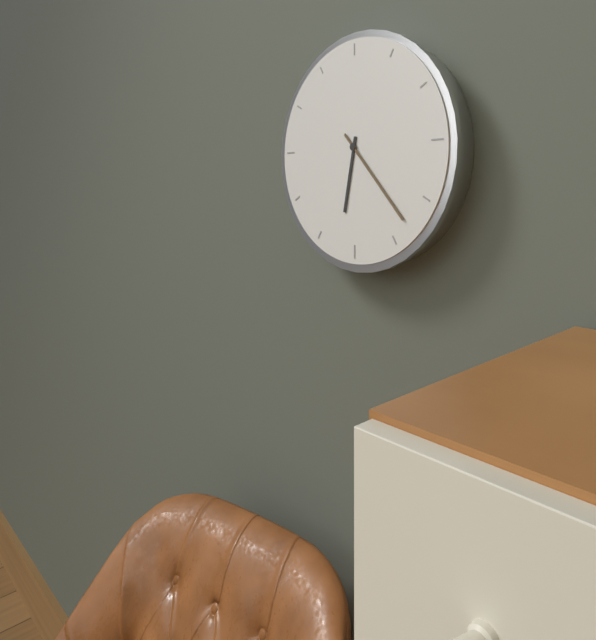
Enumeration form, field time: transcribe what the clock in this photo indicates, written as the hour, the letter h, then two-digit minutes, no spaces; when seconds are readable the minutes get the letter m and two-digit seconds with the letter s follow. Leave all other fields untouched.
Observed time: 6h23
